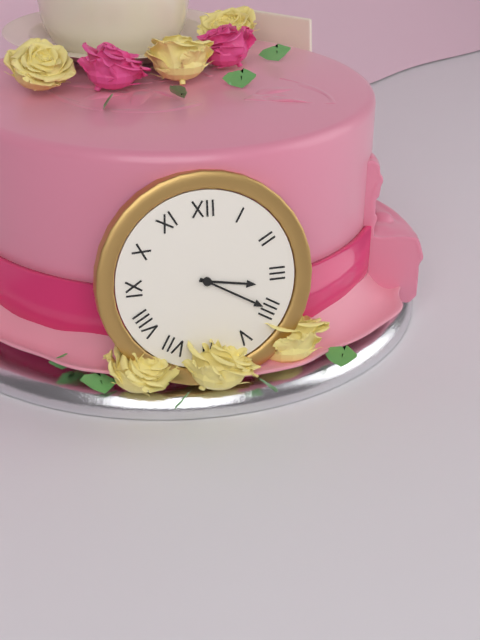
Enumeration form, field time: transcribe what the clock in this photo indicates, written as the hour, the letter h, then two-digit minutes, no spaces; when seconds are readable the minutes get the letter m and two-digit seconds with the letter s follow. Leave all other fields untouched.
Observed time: 3h20
